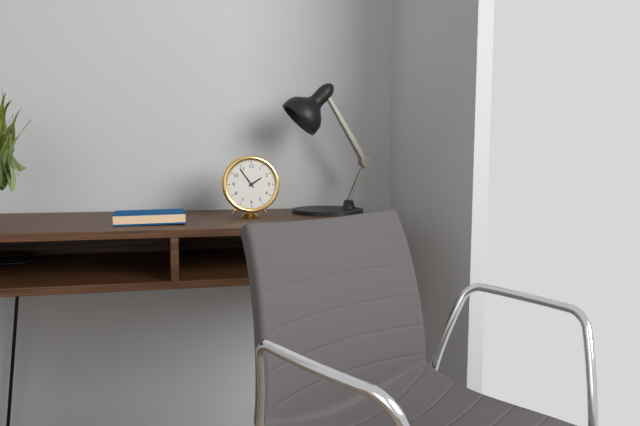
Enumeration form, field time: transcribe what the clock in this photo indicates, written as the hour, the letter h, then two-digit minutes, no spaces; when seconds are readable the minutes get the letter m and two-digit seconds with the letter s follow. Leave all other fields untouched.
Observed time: 1h54
